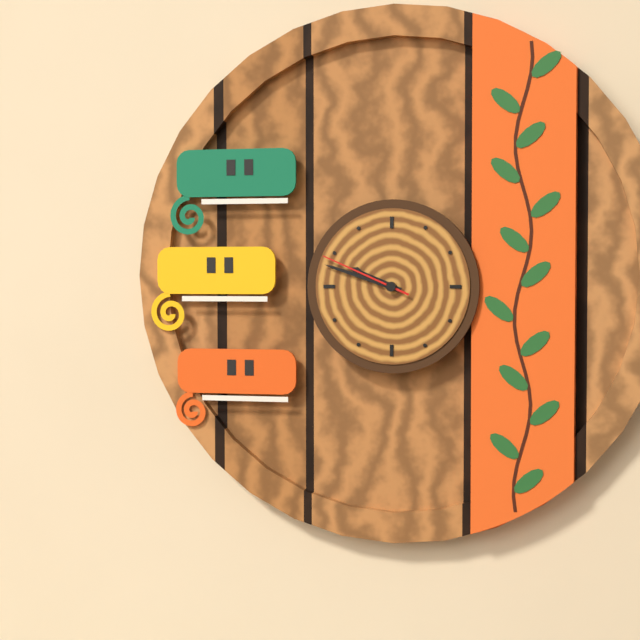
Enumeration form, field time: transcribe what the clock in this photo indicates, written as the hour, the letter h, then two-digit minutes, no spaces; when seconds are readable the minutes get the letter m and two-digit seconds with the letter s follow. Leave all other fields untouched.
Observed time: 9h48m49s
